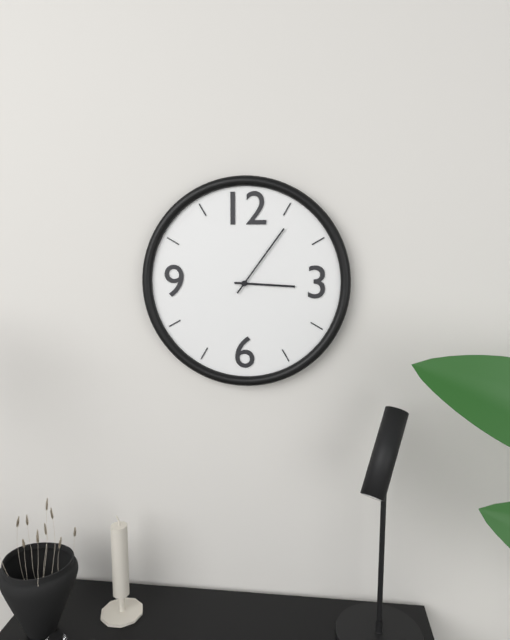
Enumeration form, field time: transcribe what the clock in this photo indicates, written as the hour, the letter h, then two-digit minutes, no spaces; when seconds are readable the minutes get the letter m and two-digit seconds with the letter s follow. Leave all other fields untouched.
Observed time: 3h06
